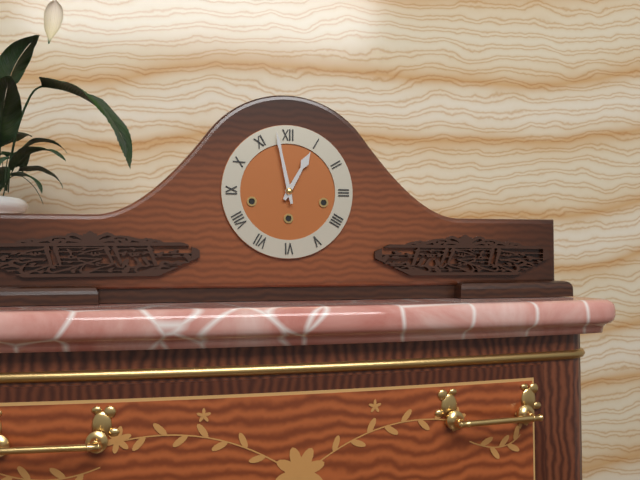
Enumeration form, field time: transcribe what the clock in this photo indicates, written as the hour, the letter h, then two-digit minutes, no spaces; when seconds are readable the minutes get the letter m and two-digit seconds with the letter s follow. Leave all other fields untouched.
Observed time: 12h58
